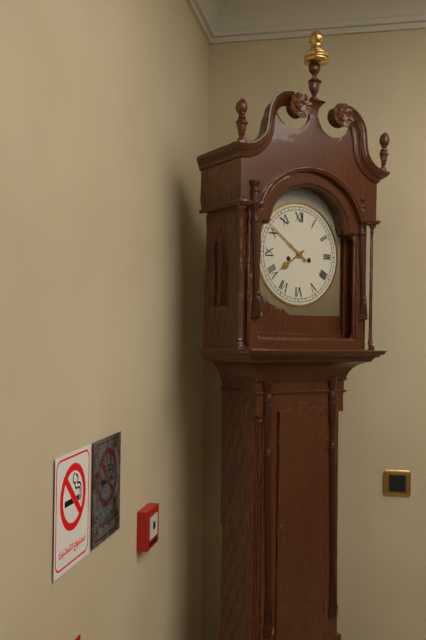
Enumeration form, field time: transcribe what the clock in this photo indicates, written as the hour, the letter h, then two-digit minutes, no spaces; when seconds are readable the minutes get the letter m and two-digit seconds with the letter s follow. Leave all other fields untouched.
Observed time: 7h51
